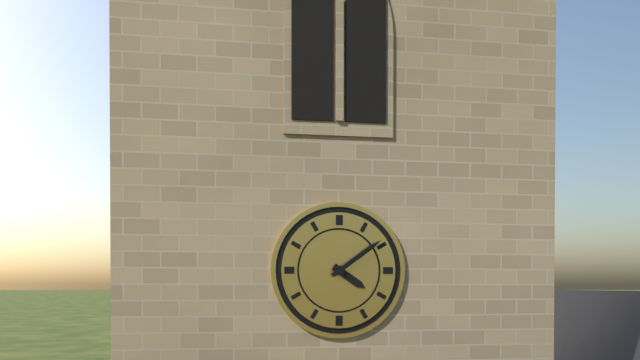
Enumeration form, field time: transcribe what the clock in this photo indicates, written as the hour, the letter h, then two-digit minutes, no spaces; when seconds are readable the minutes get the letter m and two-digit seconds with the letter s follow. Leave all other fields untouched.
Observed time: 4h09
